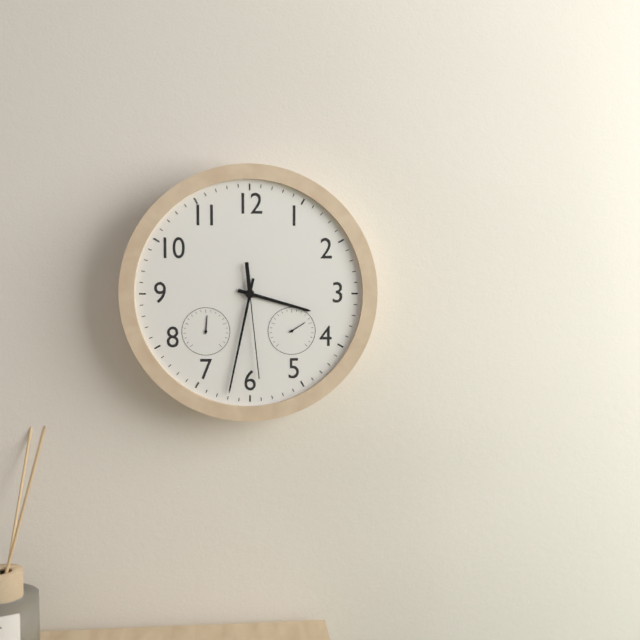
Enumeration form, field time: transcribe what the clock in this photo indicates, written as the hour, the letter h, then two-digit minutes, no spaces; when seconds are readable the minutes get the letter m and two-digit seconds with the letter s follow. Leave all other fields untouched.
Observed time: 3h32m29s
